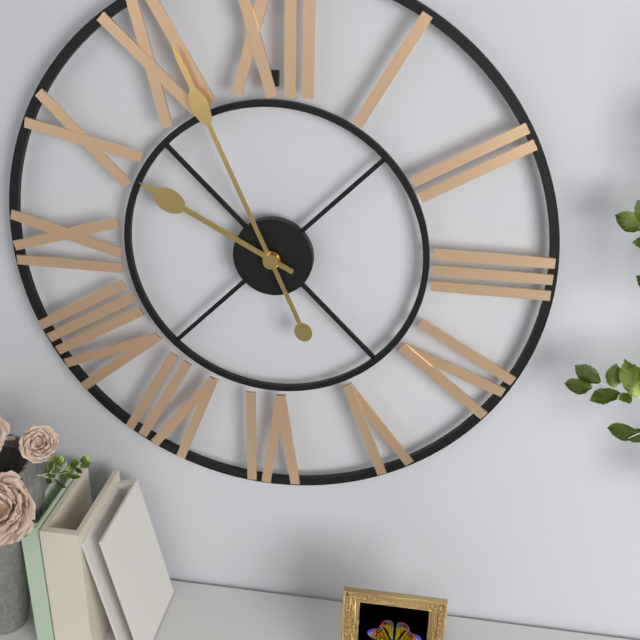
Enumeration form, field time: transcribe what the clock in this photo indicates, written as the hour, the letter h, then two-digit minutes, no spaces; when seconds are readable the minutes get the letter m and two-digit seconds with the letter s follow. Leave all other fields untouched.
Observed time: 9h56
